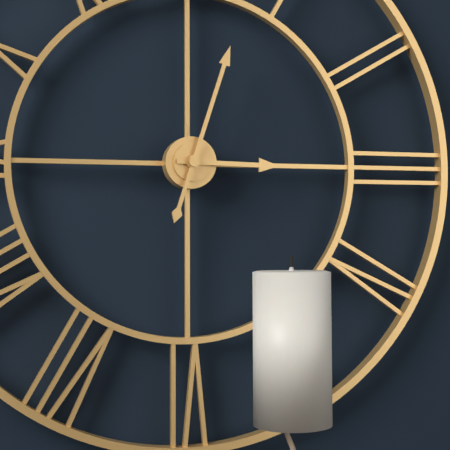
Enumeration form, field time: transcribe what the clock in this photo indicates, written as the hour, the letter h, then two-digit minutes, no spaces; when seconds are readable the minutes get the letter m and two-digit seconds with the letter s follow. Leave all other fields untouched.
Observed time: 3h03
